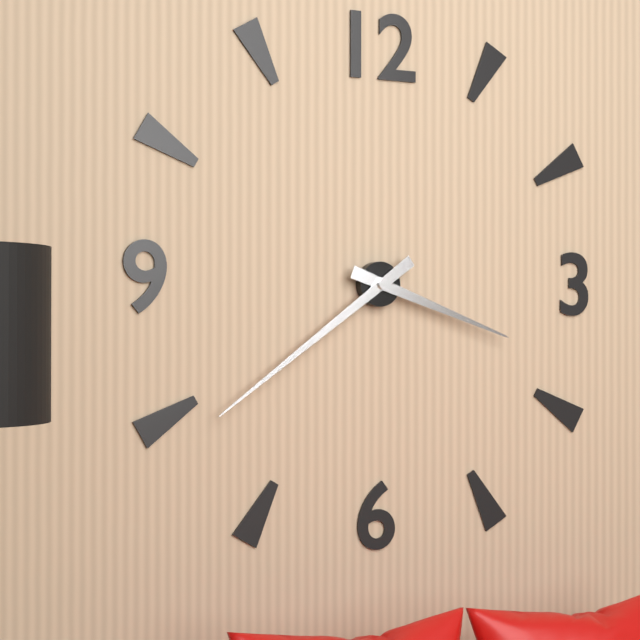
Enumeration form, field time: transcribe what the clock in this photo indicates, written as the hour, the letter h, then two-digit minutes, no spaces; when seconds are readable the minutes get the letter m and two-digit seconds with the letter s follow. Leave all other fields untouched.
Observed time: 3h39
